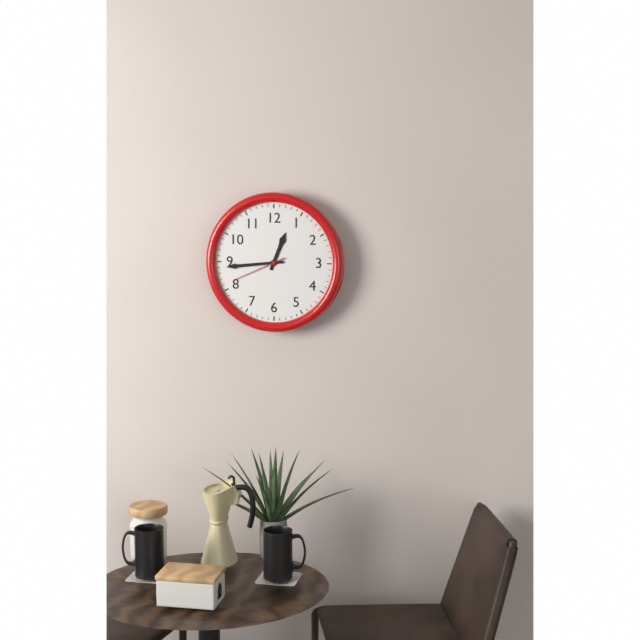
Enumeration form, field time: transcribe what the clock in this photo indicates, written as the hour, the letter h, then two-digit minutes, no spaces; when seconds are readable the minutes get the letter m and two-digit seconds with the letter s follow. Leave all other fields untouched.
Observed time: 12h44m41s
